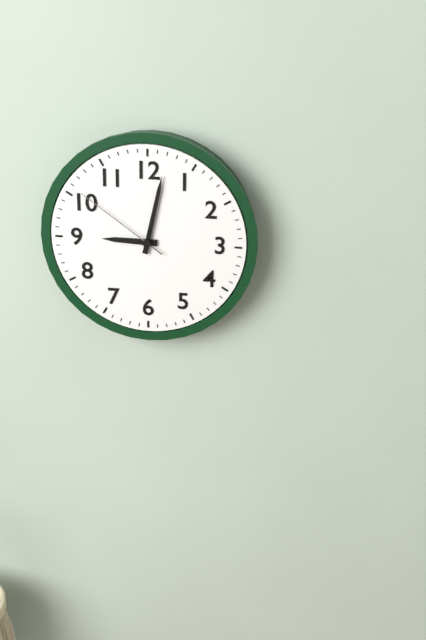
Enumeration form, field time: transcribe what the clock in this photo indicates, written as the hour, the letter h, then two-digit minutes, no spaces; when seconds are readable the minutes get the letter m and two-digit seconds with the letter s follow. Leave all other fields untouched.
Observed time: 9h02m51s
